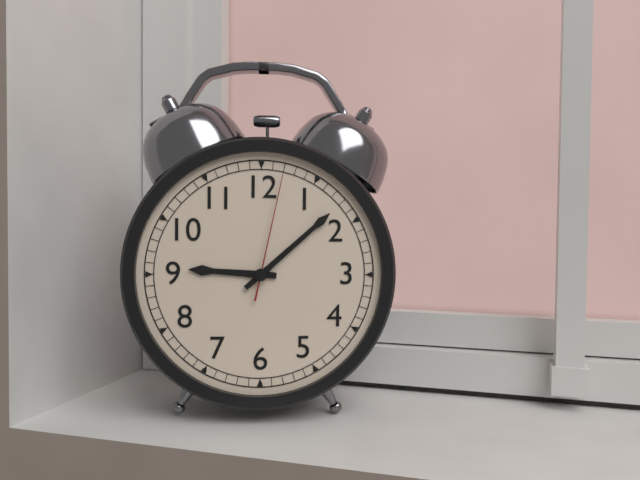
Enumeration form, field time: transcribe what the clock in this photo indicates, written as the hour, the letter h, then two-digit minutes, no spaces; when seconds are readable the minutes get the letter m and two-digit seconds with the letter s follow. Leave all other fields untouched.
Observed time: 9h08m02s
